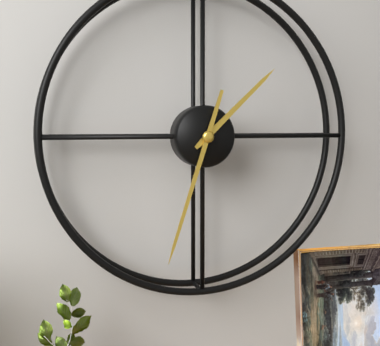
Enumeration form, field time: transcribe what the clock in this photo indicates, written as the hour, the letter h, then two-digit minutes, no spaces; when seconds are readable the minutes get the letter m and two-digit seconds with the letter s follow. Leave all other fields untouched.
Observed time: 1h33
